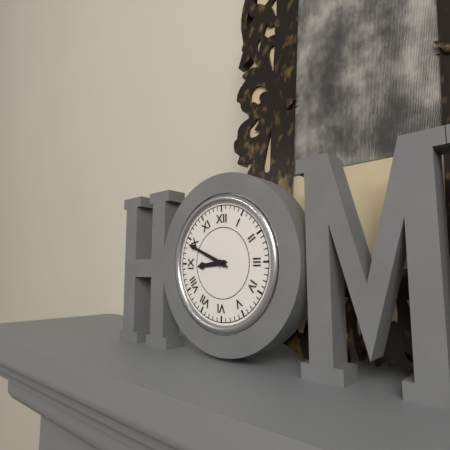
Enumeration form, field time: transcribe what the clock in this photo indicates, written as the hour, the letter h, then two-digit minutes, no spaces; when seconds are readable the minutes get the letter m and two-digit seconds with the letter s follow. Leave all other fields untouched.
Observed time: 8h49
